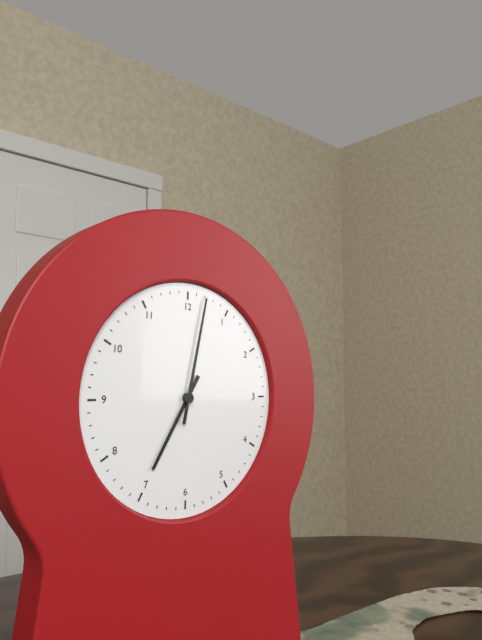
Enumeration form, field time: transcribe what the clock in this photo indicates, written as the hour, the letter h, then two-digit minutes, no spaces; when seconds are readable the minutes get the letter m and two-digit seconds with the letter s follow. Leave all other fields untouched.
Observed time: 7h02
